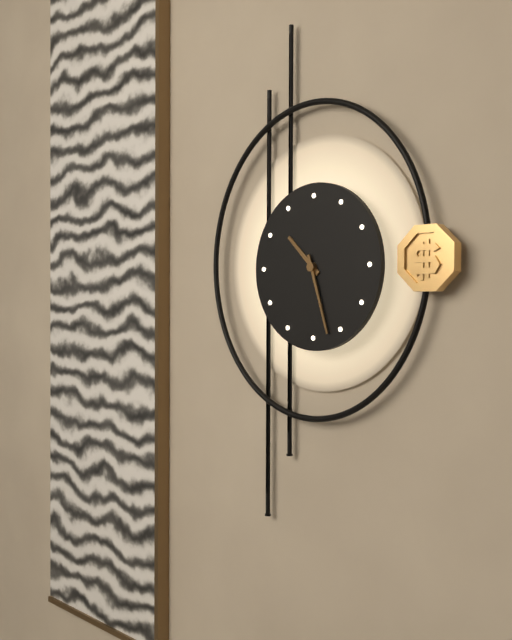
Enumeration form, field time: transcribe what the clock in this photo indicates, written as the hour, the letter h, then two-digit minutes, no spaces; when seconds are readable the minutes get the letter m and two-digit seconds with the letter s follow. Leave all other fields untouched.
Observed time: 10h27
